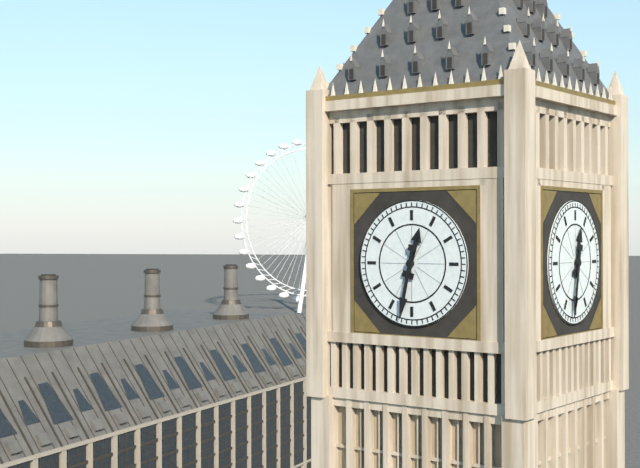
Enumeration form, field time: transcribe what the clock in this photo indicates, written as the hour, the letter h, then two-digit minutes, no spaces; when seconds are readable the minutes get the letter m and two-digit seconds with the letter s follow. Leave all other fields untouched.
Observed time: 12h32
